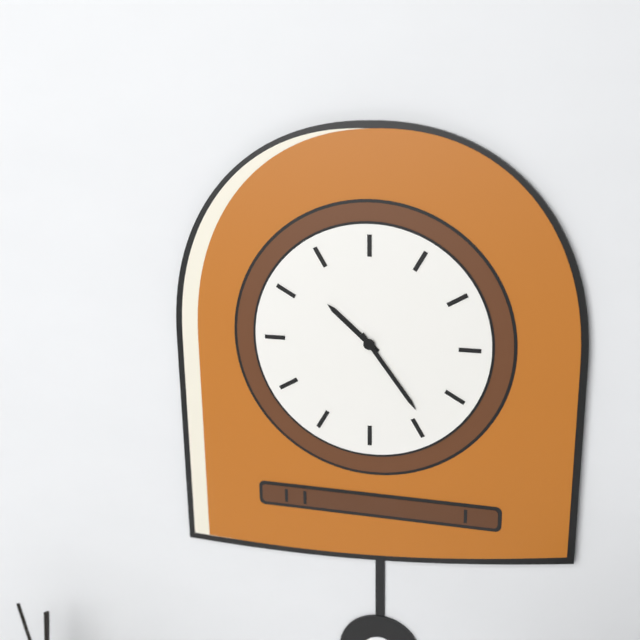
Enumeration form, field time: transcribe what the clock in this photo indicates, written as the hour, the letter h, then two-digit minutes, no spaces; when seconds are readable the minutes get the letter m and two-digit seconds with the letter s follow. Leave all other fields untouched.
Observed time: 10h24
